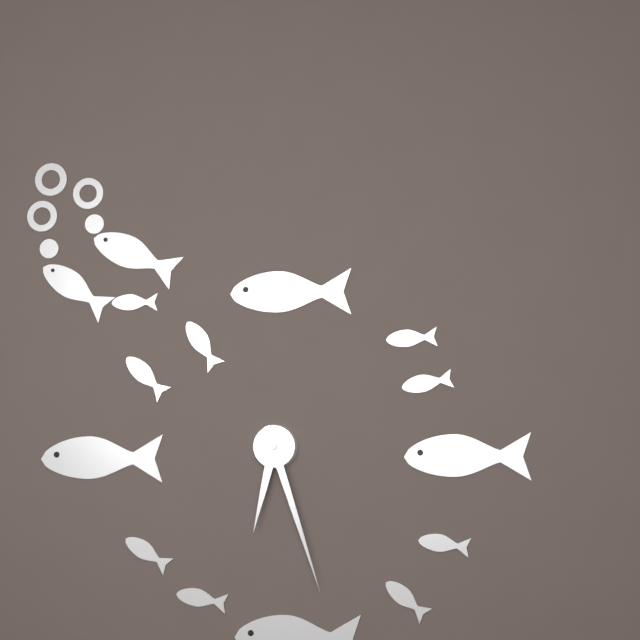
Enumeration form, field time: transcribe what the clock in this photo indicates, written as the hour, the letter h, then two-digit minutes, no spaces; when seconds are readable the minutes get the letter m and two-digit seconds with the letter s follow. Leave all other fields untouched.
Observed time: 6h27
